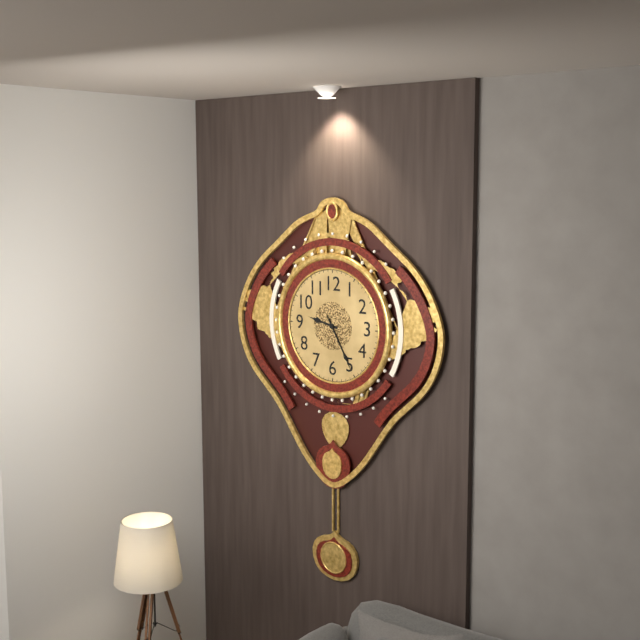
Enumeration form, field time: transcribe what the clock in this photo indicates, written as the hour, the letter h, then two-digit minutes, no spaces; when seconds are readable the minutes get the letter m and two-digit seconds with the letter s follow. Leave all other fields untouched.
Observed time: 9h25m25s
